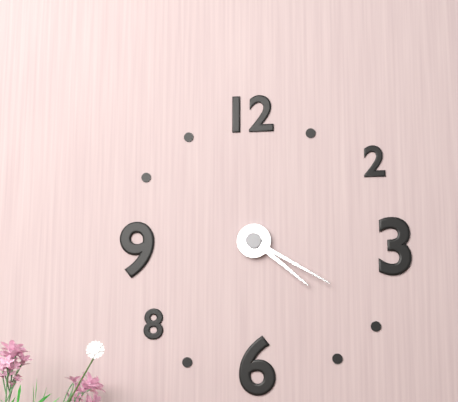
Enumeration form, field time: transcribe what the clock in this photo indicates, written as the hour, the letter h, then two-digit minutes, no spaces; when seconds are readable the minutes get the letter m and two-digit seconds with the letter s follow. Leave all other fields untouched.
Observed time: 4h20
